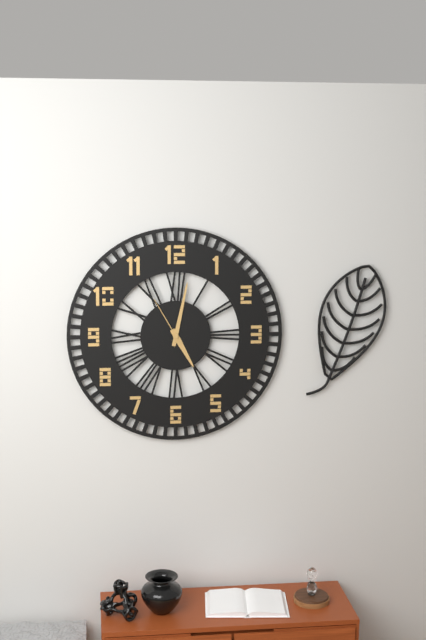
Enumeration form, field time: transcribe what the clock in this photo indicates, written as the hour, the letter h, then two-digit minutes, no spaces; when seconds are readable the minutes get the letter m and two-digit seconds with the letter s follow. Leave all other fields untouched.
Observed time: 5h02m55s
